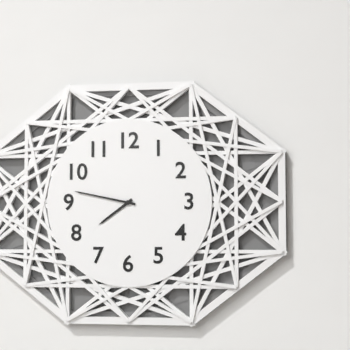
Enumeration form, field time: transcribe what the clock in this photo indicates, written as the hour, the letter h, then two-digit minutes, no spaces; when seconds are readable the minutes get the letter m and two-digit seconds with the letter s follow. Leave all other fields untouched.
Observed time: 7h47
